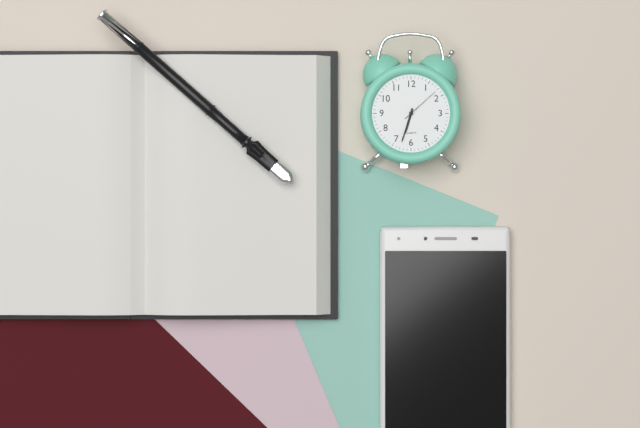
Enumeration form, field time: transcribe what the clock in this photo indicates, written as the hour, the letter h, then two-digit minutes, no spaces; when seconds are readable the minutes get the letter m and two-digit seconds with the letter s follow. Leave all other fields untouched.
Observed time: 6h33
